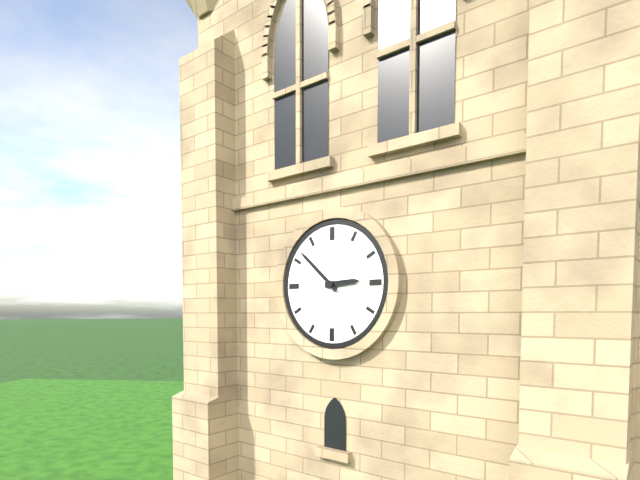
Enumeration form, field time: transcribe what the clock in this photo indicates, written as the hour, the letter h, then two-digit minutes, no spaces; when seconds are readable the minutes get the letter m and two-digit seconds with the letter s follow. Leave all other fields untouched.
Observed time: 2h52
